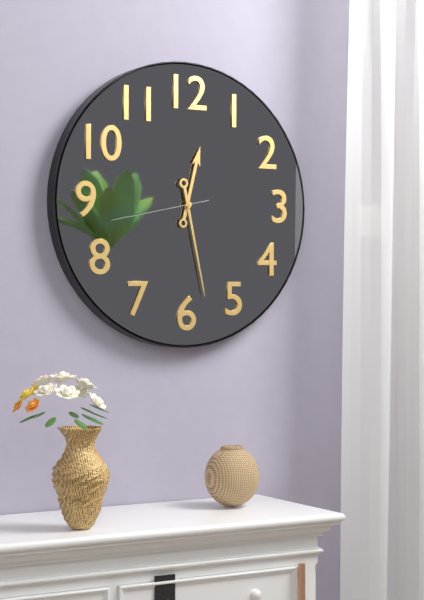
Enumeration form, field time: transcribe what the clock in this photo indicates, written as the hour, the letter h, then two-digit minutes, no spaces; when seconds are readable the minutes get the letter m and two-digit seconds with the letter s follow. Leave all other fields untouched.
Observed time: 12h28m43s
